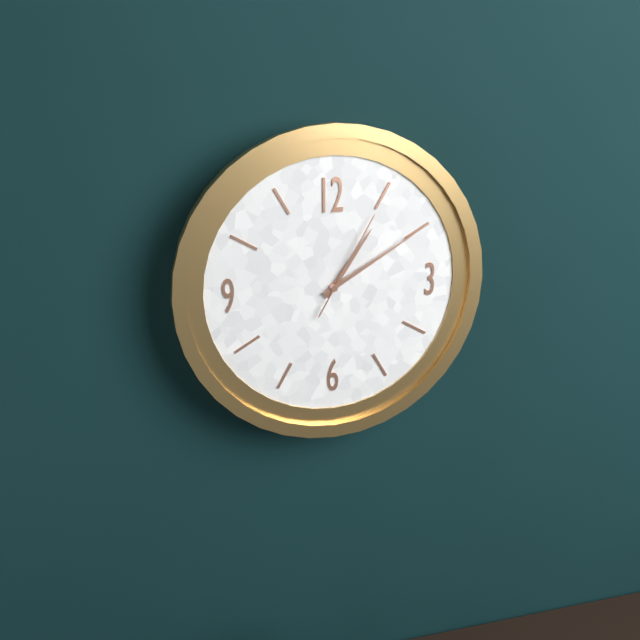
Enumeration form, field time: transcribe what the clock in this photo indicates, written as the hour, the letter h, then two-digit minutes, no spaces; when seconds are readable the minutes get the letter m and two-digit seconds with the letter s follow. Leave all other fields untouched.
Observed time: 1h10m05s
